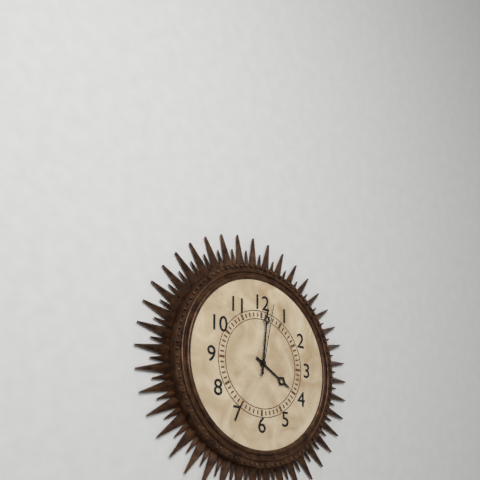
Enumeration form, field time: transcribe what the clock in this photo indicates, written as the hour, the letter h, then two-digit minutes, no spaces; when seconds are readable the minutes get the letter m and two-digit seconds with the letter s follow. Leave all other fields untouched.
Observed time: 4h01m02s
